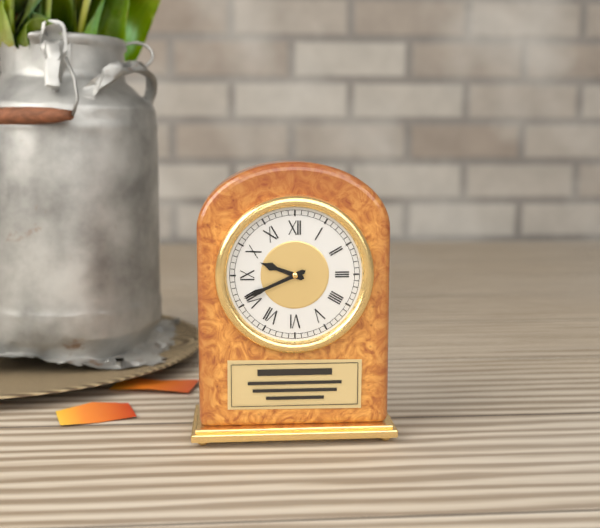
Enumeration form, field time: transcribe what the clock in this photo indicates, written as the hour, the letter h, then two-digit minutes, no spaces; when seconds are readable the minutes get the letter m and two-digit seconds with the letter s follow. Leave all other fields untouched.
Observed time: 9h41
